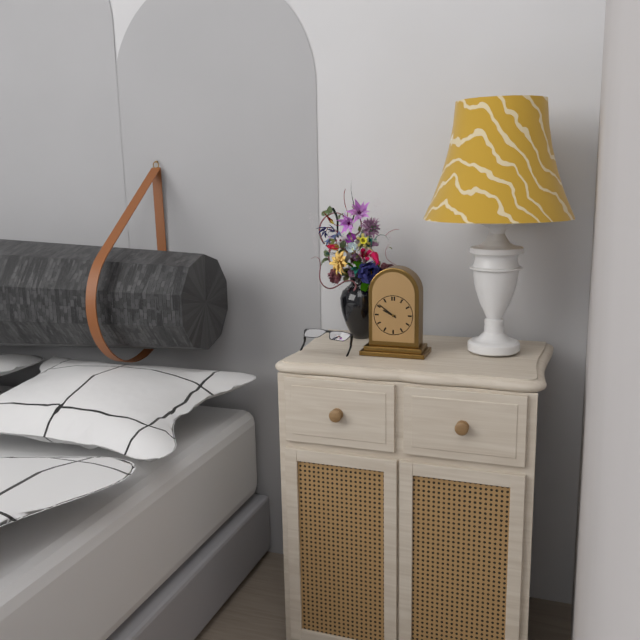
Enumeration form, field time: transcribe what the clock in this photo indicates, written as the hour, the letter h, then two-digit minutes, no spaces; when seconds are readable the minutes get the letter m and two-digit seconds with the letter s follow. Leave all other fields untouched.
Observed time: 9h51
